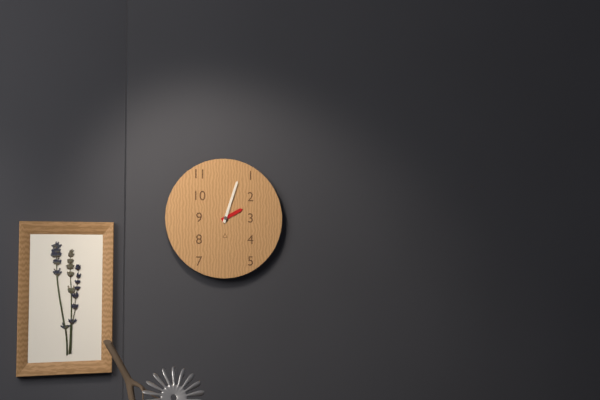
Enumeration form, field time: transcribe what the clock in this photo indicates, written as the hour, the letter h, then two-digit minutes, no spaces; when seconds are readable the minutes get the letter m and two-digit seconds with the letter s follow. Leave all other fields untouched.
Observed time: 2h03
